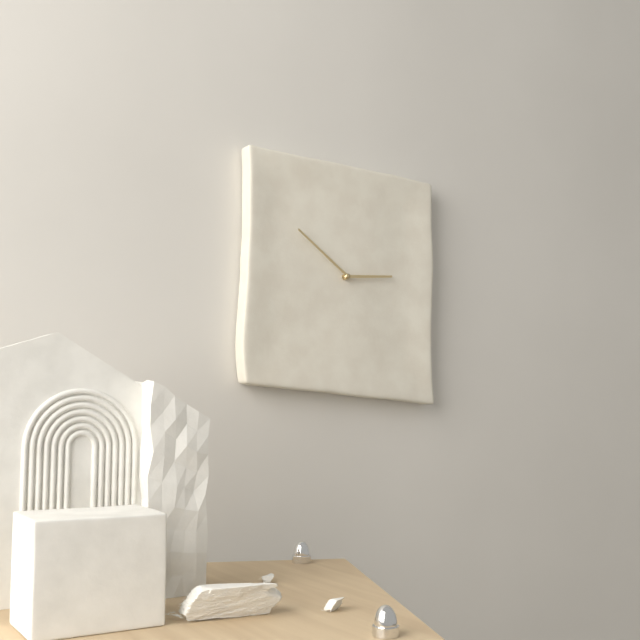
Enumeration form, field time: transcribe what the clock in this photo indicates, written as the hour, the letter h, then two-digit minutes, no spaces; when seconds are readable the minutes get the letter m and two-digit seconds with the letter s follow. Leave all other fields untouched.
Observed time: 2h51
